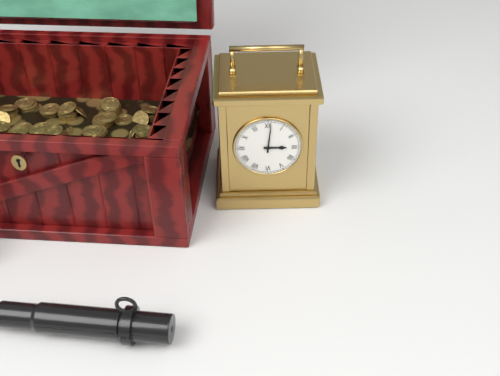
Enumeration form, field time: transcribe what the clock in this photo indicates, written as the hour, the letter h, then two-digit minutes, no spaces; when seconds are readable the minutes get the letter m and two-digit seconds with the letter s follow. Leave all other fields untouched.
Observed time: 3h01
